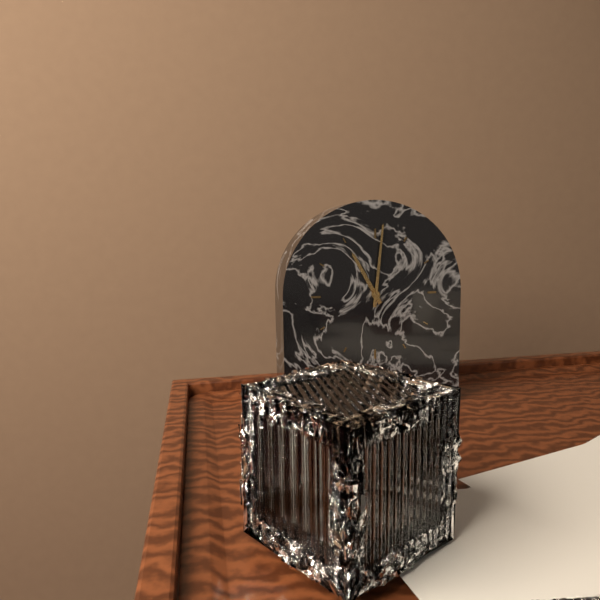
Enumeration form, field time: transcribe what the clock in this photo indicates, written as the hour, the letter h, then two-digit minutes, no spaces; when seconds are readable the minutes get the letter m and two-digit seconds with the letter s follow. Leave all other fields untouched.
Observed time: 11h01
